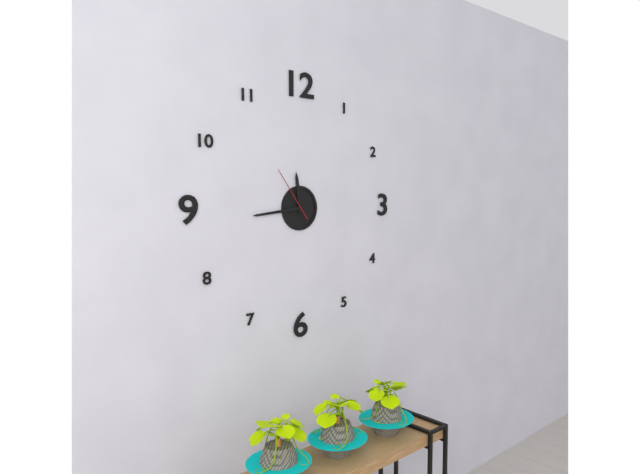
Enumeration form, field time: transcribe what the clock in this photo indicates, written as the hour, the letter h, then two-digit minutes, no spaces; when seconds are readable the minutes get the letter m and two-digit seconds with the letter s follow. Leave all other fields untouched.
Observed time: 11h44m54s
